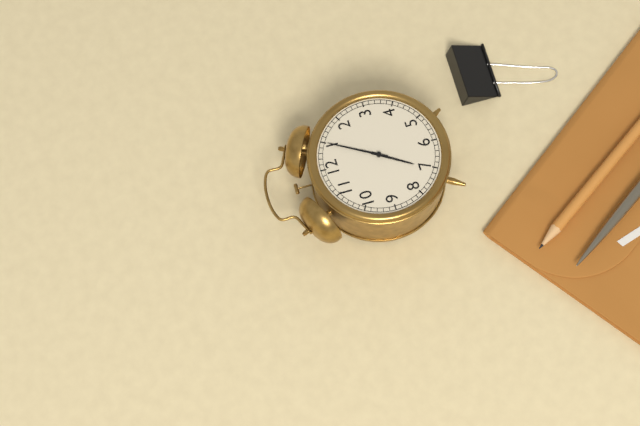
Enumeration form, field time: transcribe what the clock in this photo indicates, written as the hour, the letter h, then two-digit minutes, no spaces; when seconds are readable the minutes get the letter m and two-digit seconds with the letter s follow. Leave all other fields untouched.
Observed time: 7h05
